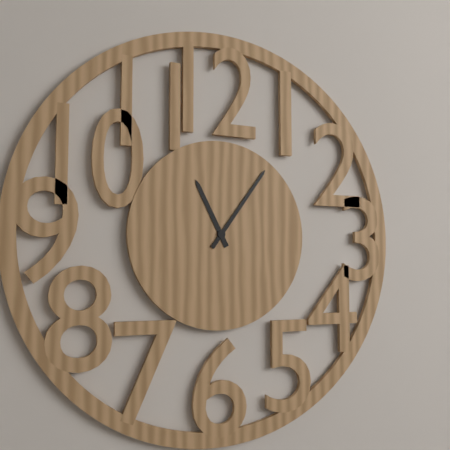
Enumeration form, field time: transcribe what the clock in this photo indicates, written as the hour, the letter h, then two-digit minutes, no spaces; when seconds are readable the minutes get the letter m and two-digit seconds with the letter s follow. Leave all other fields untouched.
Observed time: 11h06
